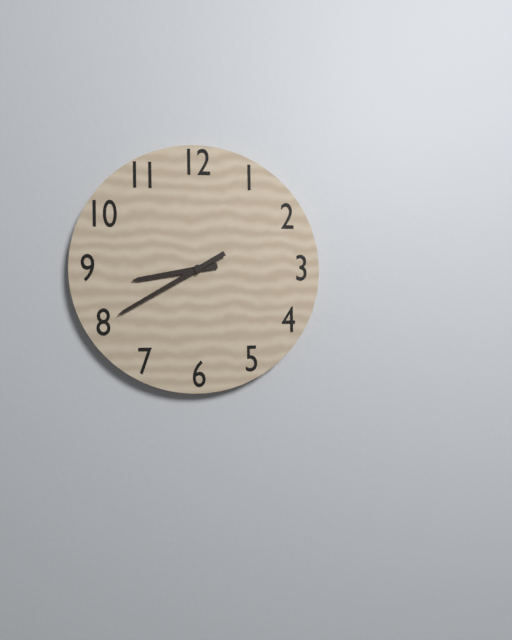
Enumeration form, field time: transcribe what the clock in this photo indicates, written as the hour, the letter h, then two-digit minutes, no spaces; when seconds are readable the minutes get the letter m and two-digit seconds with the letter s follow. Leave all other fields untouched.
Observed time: 8h40
